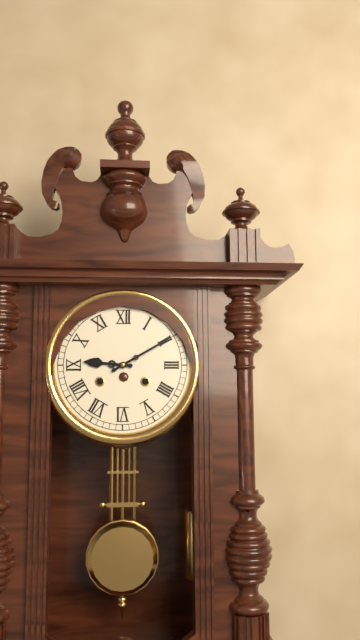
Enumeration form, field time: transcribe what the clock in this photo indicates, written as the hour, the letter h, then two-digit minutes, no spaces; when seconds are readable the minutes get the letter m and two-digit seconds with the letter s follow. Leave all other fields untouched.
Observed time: 9h10
